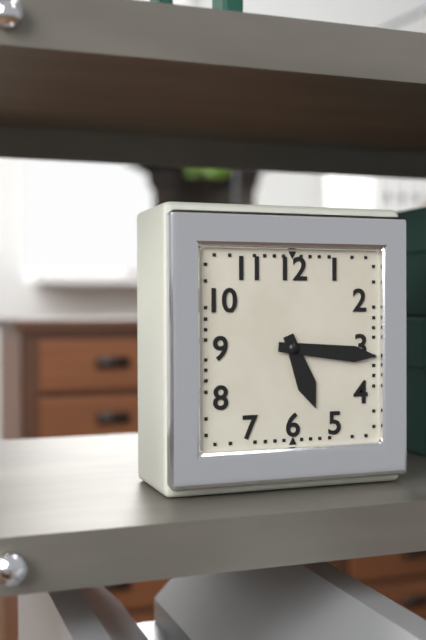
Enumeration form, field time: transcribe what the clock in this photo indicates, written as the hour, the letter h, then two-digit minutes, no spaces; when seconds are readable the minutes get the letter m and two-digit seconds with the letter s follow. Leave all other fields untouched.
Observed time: 5h16
